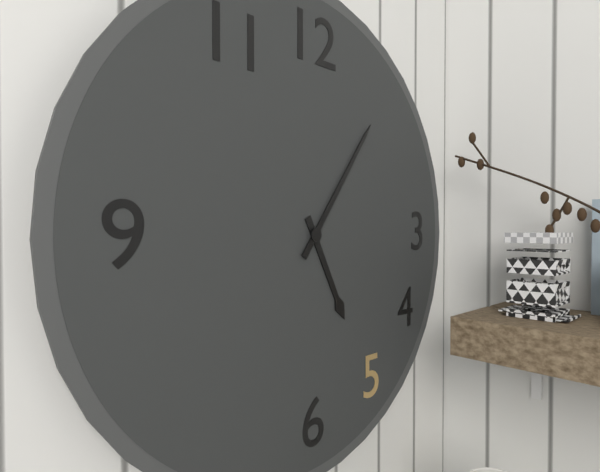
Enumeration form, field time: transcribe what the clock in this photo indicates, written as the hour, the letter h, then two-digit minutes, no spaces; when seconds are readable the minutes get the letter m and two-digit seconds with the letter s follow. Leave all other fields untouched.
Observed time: 5h06
